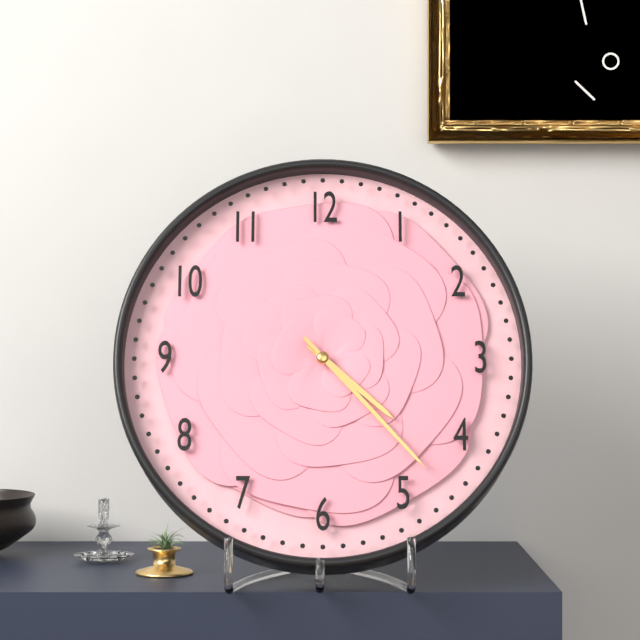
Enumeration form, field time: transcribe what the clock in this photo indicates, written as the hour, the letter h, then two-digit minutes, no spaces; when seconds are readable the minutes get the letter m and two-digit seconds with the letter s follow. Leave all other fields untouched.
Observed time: 4h23
